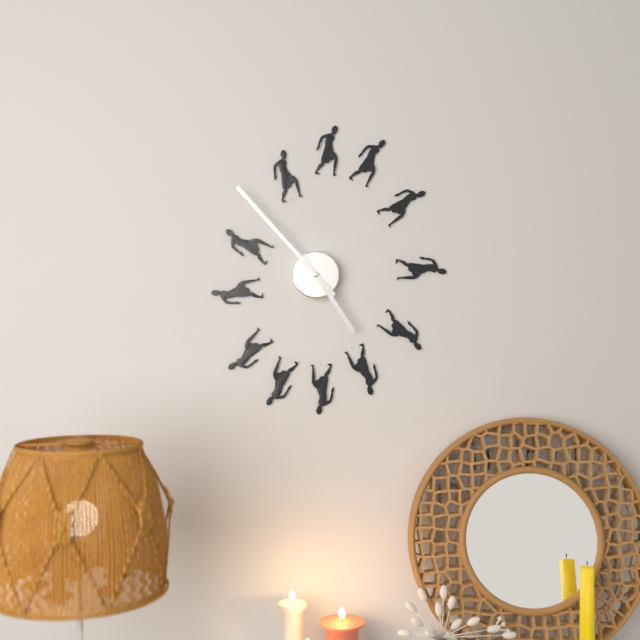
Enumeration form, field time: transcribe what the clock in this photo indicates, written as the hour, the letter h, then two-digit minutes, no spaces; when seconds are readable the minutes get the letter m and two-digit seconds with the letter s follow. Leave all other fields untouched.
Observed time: 4h53
